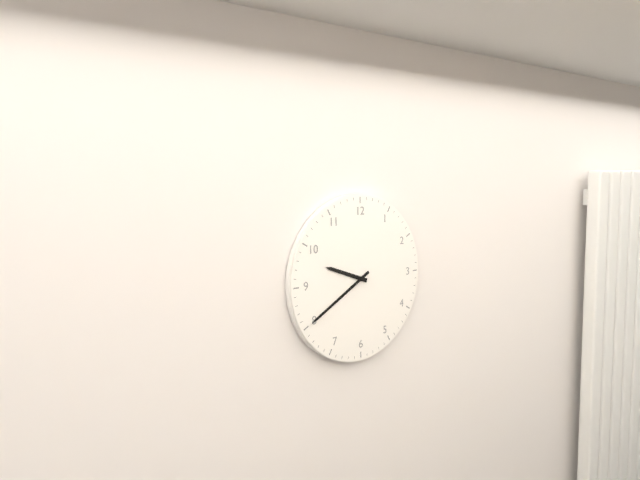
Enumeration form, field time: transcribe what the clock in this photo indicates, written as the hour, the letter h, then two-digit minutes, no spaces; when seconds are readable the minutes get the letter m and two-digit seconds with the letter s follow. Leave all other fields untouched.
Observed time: 9h40
